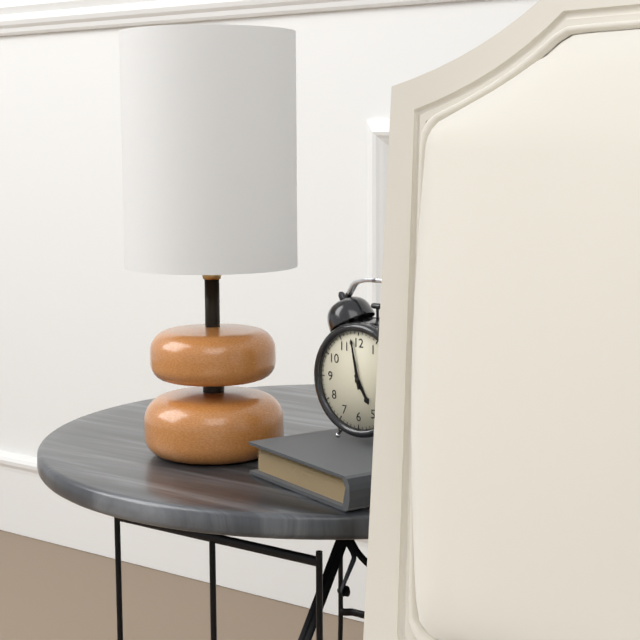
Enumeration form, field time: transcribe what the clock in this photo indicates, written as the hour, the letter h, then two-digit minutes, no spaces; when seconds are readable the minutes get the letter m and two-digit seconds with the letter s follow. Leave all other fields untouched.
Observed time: 4h58
